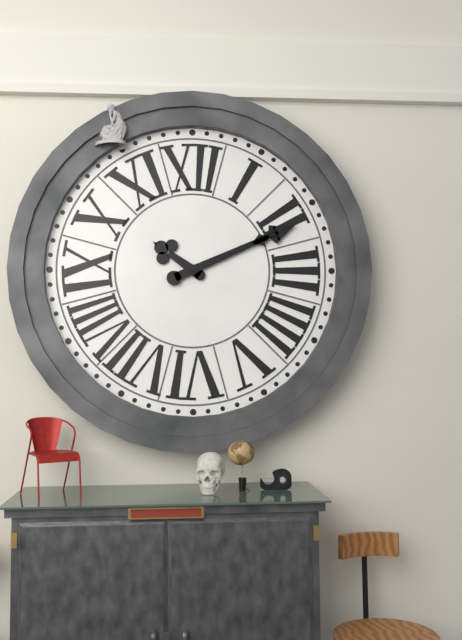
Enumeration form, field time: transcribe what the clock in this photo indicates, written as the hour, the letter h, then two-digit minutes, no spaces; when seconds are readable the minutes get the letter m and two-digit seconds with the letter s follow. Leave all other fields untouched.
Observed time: 10h11
